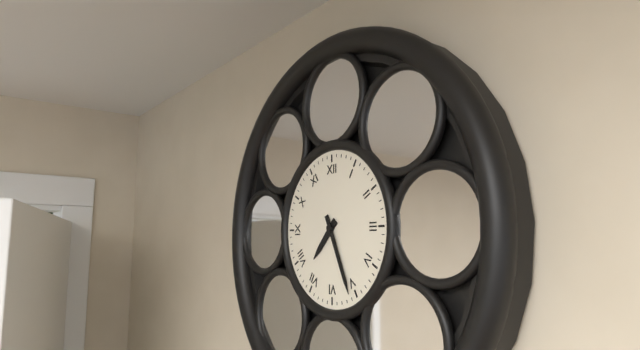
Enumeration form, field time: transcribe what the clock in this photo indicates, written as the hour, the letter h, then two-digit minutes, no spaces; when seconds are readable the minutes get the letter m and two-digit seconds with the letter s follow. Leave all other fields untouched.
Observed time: 7h26
